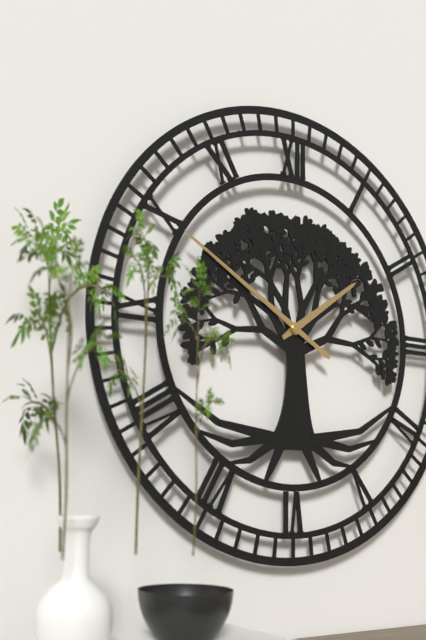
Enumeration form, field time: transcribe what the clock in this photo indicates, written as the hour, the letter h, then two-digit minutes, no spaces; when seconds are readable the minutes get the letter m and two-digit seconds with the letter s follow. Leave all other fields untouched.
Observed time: 1h50
